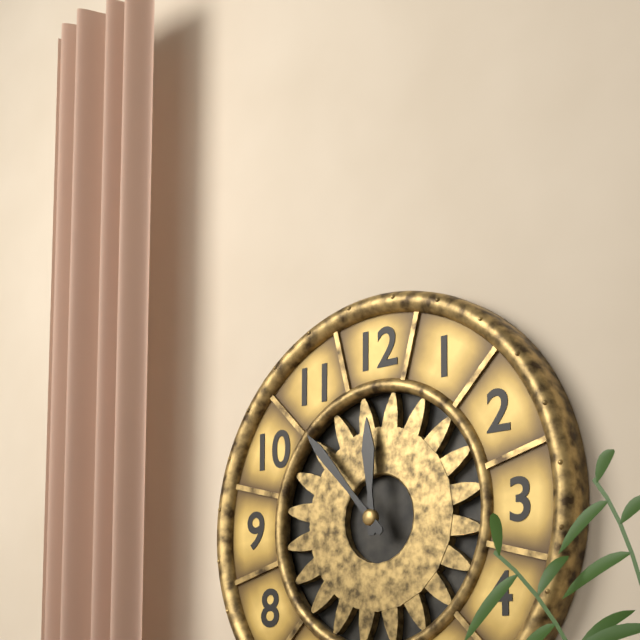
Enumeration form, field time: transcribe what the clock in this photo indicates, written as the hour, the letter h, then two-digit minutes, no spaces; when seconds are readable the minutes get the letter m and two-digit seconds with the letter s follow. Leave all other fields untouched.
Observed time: 11h53
